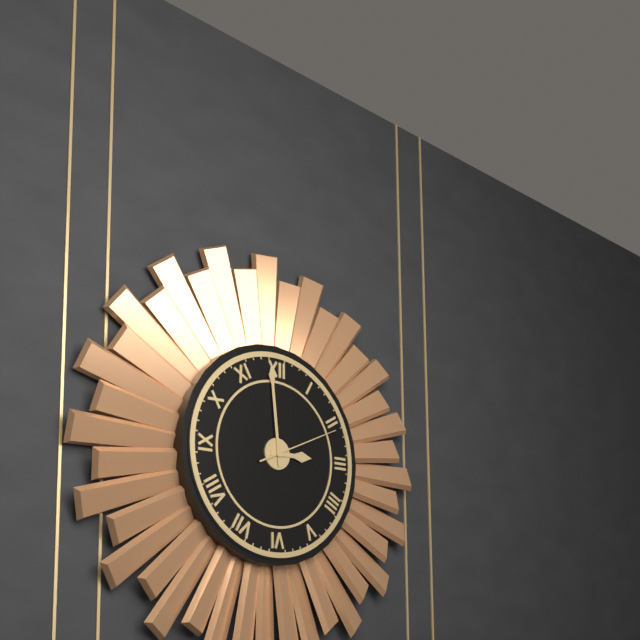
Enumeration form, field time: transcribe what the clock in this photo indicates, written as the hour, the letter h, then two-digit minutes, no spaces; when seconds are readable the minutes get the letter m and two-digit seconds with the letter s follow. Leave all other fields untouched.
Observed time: 2h59m11s
